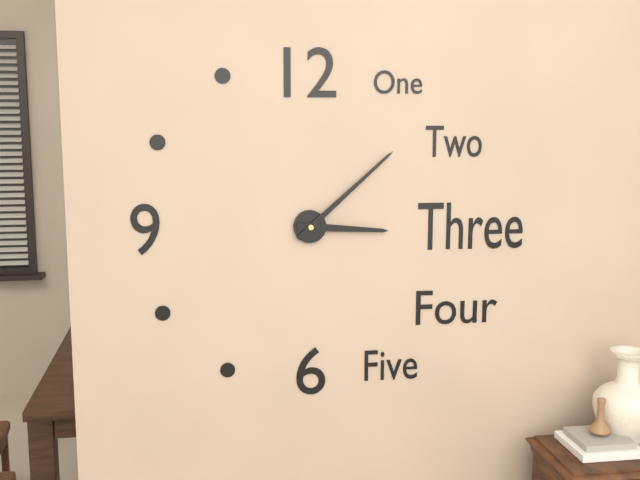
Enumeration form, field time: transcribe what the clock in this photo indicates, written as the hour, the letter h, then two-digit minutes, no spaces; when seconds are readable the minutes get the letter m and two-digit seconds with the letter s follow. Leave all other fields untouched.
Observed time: 3h08
